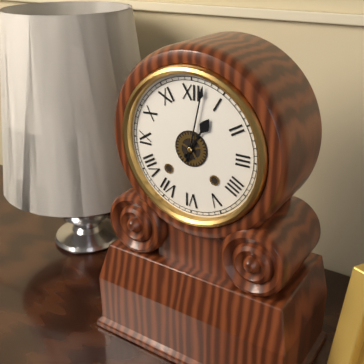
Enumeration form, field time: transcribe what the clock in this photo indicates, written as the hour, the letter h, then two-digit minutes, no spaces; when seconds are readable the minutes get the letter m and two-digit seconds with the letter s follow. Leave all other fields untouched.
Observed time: 1h02
